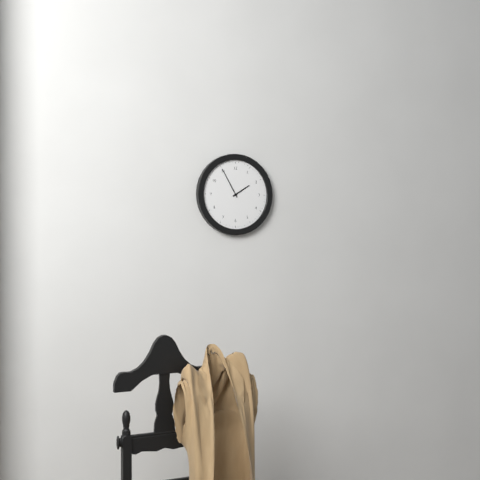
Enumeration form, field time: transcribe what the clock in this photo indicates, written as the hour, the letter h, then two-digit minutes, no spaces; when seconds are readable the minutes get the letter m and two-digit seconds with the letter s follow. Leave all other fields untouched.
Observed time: 1h55
